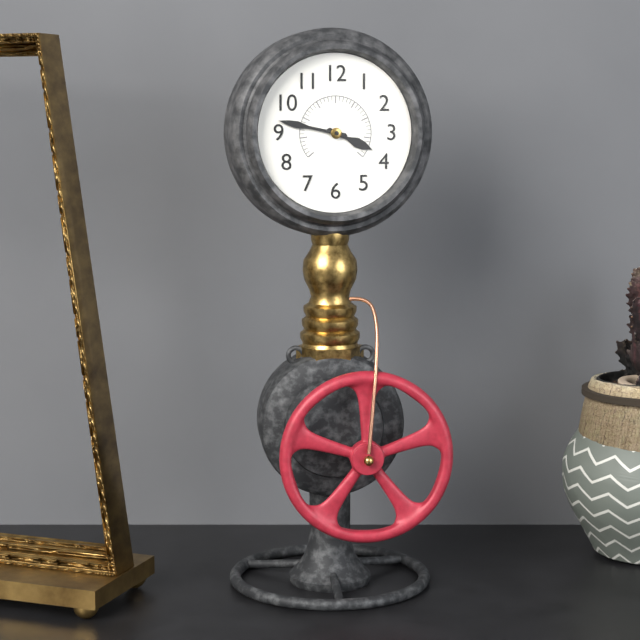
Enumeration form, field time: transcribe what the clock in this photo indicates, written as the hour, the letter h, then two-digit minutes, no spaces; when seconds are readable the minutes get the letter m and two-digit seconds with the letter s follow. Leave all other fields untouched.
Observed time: 3h47
